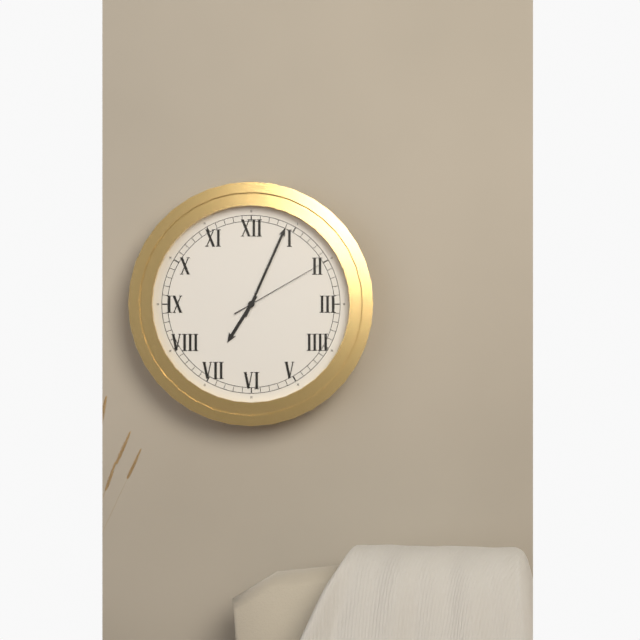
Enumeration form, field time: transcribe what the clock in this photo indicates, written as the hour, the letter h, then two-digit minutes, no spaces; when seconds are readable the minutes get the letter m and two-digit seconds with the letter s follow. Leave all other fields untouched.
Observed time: 7h04m10s
